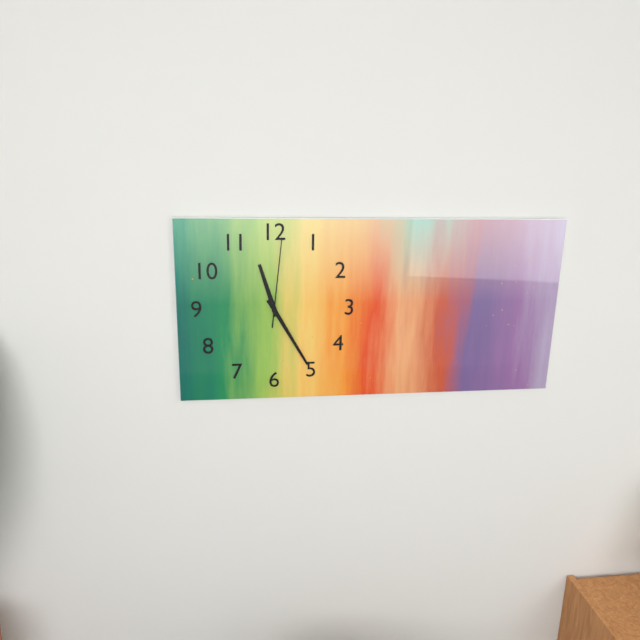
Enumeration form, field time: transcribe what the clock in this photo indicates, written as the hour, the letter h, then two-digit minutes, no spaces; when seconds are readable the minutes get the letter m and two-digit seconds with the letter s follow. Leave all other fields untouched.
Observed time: 11h25m01s
